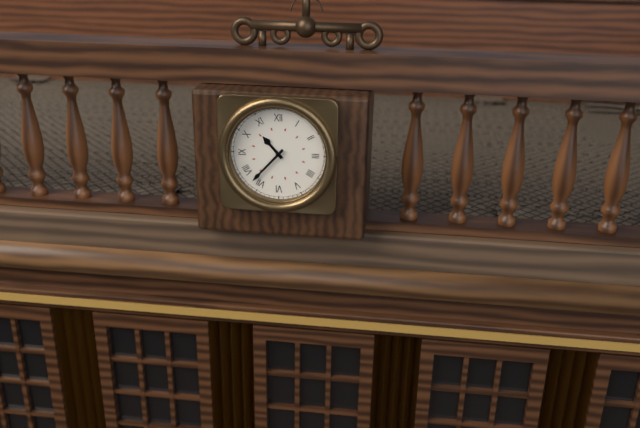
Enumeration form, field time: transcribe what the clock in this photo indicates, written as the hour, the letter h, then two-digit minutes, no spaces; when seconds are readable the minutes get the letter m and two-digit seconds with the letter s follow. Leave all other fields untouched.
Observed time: 10h37
